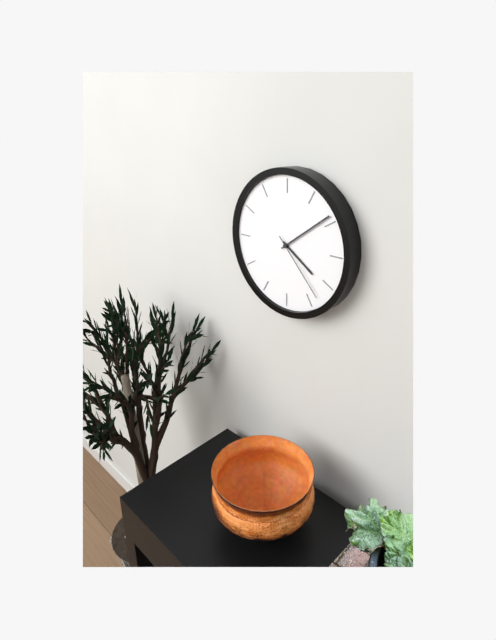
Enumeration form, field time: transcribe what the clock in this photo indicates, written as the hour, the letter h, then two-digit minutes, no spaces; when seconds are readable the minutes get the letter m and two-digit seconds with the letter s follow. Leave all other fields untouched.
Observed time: 4h09m23s
